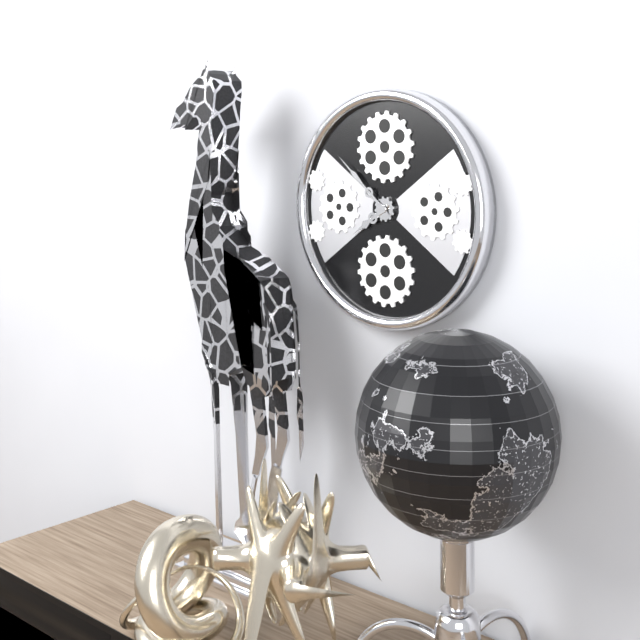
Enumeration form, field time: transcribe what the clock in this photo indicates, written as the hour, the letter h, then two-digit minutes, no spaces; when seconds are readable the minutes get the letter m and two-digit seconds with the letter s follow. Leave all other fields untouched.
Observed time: 7h52
